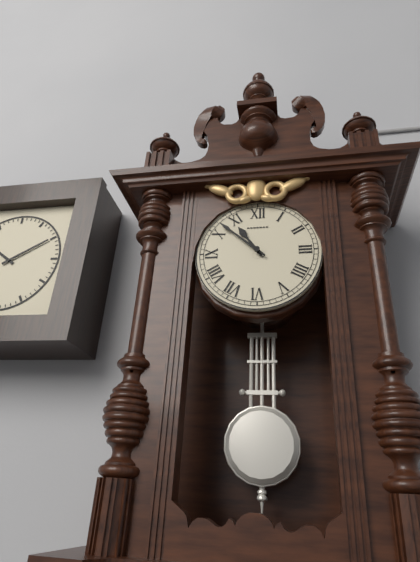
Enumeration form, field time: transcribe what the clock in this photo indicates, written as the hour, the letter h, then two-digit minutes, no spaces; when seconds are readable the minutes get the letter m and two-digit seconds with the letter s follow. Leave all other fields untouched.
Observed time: 10h52
